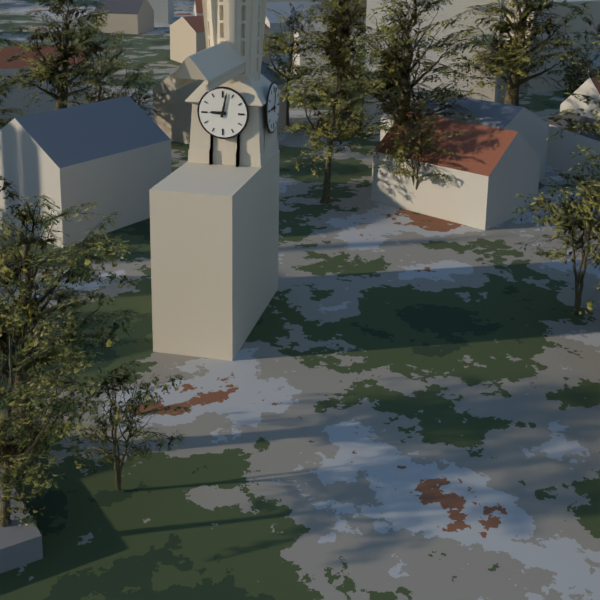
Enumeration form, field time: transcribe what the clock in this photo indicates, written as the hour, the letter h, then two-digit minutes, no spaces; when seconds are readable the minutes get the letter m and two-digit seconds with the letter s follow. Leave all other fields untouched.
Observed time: 9h02
